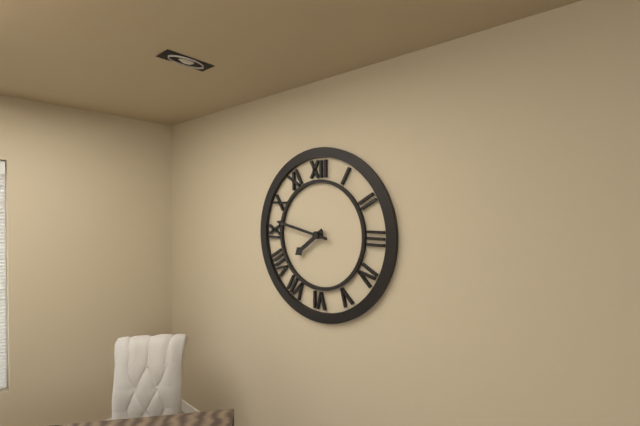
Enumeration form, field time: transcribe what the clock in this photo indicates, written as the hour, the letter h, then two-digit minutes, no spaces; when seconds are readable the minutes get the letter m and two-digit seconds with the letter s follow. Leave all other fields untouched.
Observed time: 7h47
